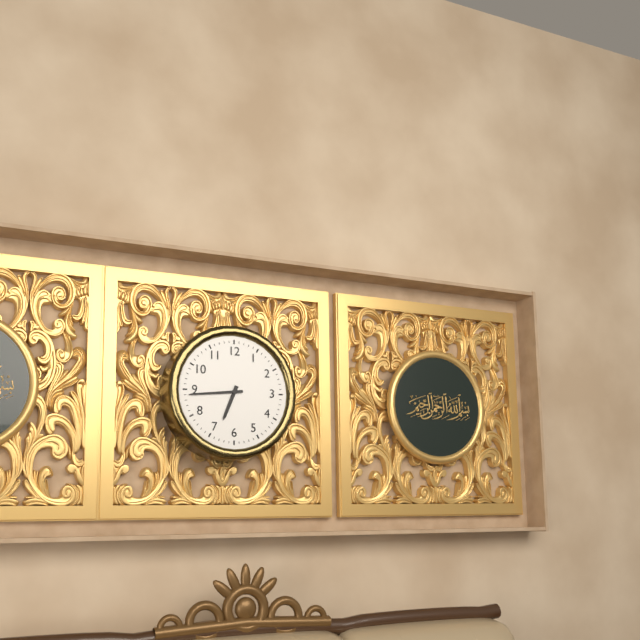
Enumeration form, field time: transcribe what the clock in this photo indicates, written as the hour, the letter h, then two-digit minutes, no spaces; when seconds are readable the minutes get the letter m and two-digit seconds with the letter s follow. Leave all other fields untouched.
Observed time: 6h44
